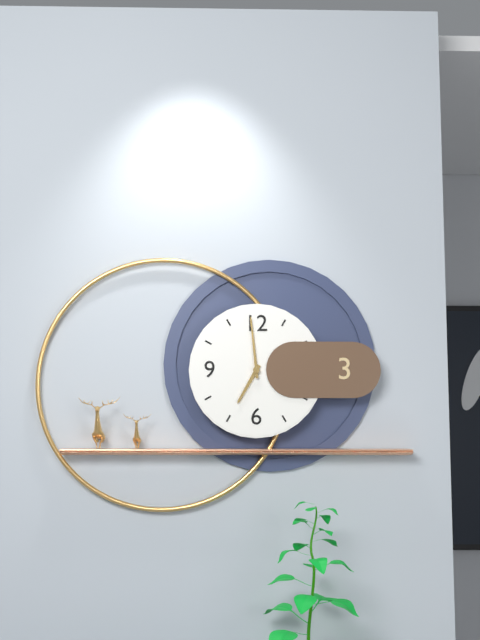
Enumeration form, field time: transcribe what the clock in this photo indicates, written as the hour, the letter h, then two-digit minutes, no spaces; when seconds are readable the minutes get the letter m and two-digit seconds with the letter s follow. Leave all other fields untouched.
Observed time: 6h59
